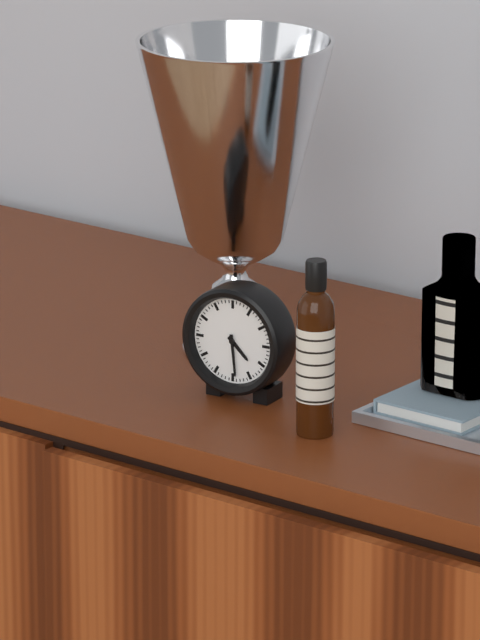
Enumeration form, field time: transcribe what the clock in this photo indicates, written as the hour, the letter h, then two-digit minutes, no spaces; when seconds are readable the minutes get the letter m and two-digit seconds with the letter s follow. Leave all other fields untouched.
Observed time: 4h29
